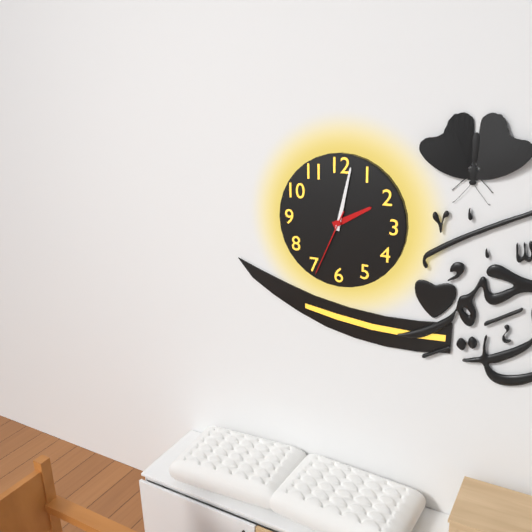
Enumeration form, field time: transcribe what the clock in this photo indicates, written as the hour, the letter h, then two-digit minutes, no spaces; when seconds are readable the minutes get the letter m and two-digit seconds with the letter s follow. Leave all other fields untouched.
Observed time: 2h02m34s
